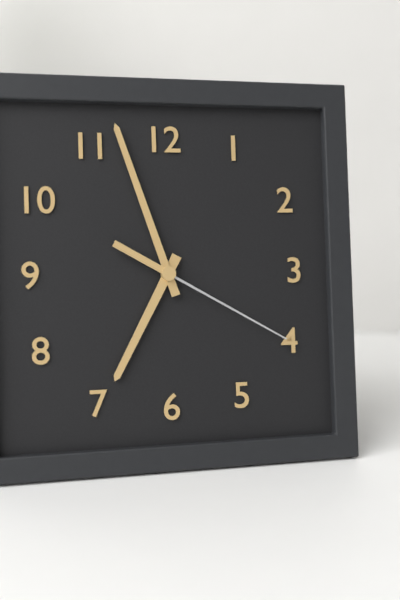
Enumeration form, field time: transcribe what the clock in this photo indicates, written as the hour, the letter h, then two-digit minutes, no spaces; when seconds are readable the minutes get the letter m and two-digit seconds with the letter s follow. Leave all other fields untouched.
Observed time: 6h57m20s
